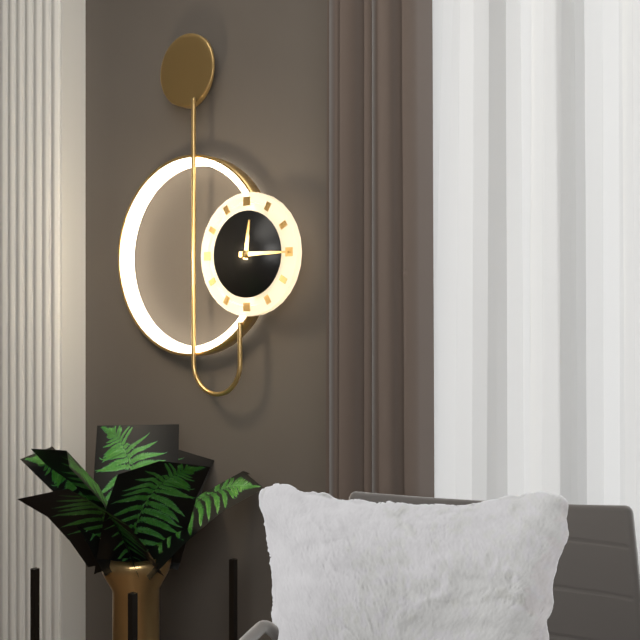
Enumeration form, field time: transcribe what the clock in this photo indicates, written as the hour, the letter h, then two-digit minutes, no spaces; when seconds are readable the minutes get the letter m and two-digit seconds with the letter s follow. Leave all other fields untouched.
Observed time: 12h15
